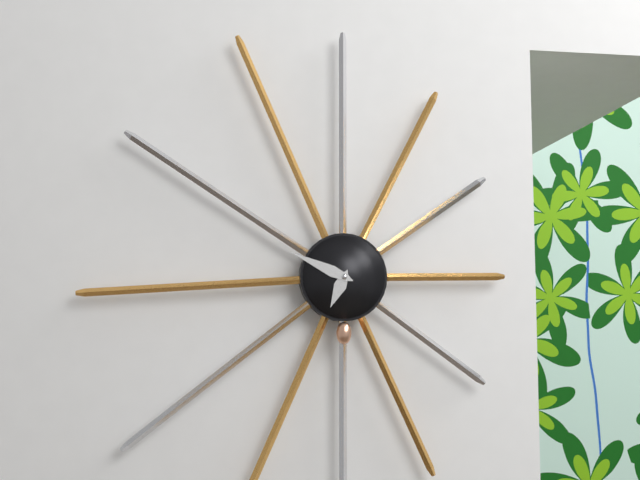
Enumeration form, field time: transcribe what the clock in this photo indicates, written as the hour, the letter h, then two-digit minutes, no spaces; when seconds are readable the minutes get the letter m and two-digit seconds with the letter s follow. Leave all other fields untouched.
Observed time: 6h49
